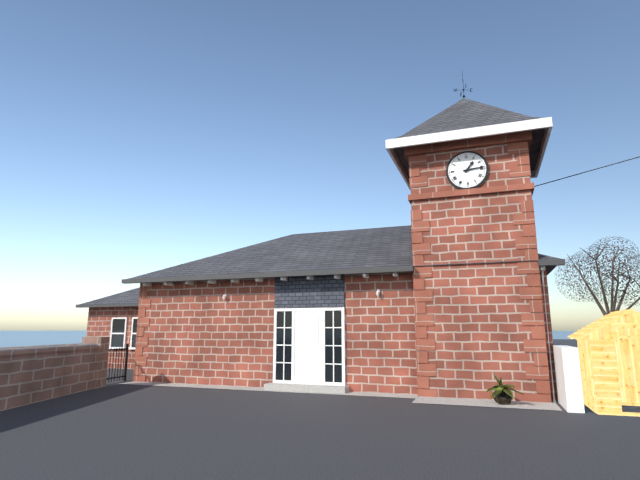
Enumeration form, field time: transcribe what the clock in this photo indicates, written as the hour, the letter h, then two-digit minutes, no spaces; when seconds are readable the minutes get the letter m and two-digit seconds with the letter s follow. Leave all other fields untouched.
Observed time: 1h14
